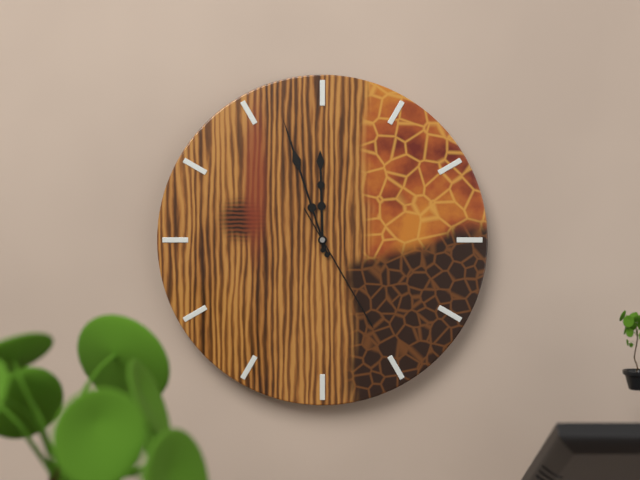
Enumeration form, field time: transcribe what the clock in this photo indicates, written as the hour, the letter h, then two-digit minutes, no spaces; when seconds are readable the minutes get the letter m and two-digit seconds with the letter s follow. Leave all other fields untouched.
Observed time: 11h57m25s
